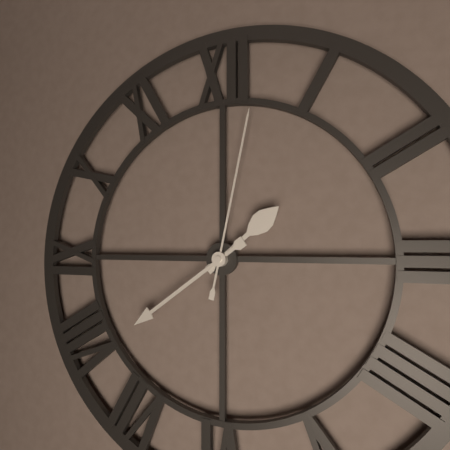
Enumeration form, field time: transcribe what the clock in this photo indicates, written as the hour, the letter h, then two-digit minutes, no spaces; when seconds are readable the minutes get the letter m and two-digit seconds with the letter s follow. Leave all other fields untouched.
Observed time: 1h39m02s
